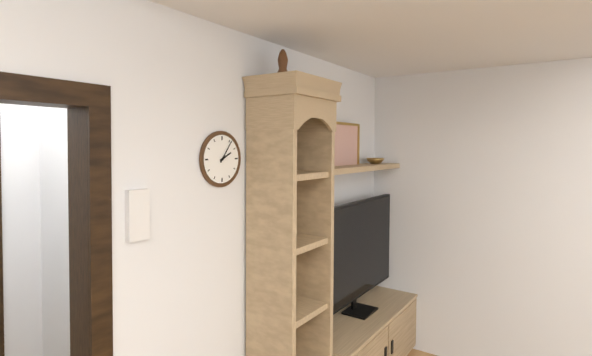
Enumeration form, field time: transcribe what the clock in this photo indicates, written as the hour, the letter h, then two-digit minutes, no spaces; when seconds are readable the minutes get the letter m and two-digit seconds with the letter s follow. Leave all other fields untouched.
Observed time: 2h06
